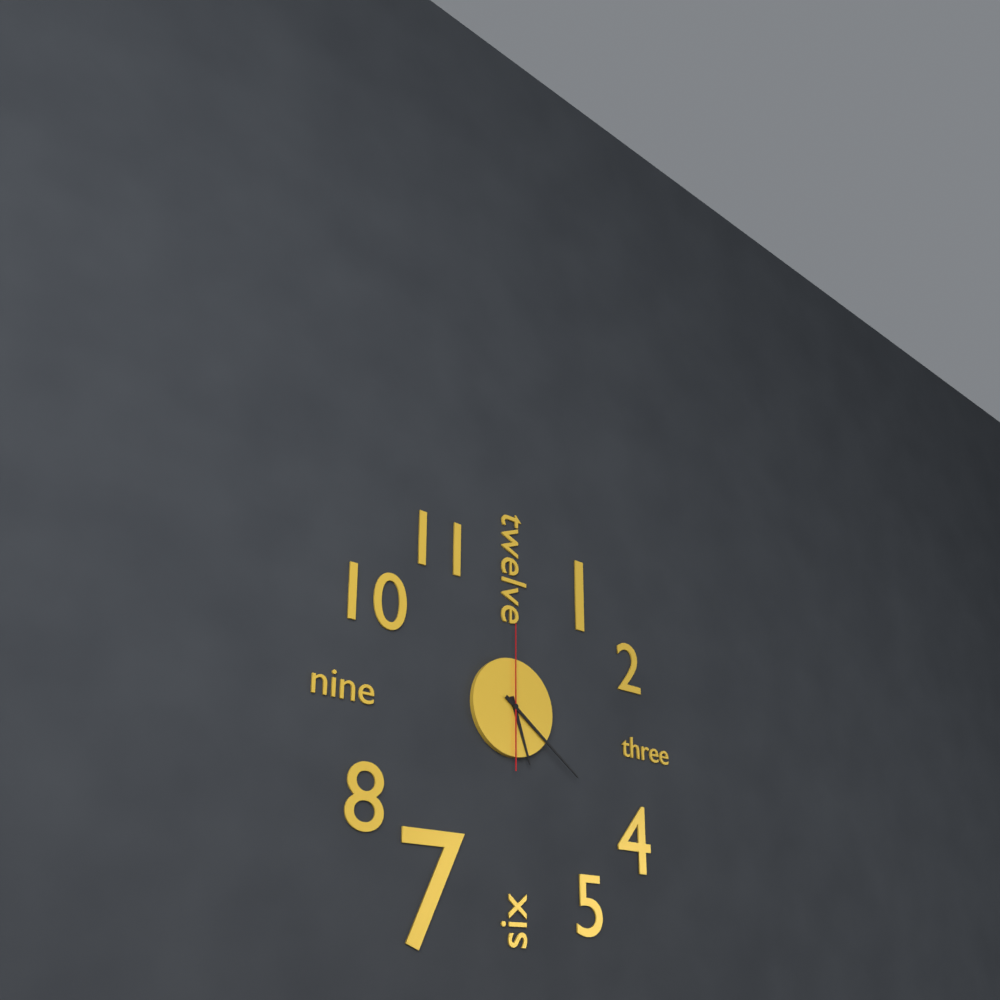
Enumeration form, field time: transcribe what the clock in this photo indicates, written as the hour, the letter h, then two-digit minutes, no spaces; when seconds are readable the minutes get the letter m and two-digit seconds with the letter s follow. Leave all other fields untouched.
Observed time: 5h21m00s
